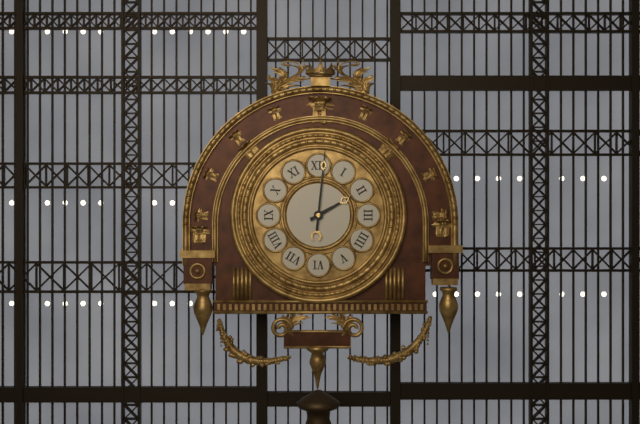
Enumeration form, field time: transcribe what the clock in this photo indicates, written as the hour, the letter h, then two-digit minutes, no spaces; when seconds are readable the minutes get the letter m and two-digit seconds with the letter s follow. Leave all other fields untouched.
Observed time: 2h01
